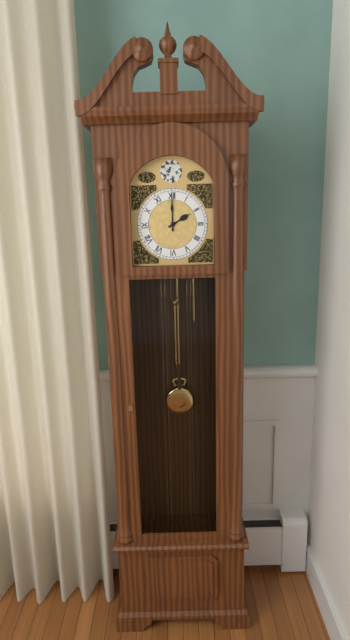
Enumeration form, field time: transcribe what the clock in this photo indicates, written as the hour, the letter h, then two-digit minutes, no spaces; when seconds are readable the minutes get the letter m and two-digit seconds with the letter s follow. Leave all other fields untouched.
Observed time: 2h00
